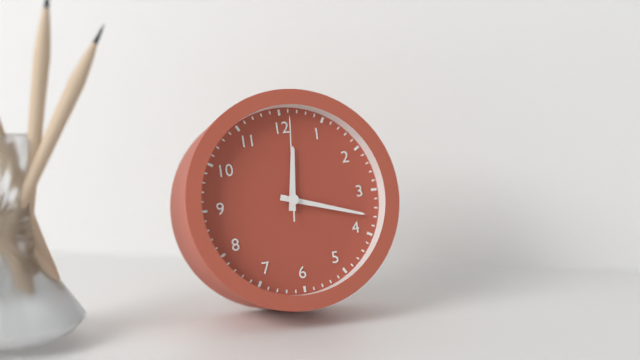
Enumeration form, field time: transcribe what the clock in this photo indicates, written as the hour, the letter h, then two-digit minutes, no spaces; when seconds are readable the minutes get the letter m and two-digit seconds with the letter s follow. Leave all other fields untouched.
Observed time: 12h18m01s
